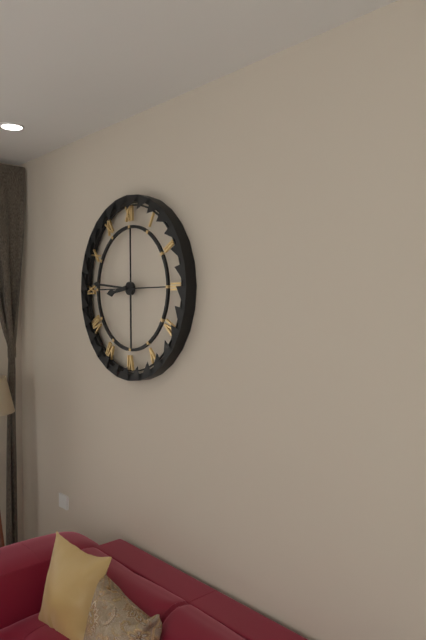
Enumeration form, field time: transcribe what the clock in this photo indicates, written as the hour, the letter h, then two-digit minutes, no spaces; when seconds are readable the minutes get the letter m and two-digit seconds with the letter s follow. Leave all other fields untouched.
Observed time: 8h46
